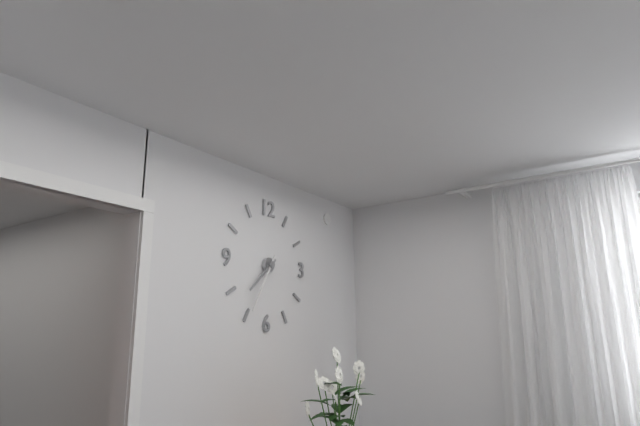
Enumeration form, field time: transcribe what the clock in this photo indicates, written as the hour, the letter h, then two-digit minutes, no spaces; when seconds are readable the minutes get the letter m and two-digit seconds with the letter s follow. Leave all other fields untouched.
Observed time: 7h35
